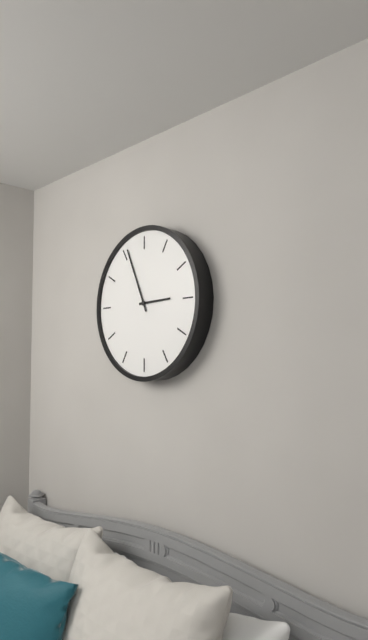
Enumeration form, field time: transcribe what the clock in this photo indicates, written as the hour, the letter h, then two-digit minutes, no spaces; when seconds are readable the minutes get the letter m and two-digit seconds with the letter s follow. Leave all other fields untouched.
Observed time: 2h56
